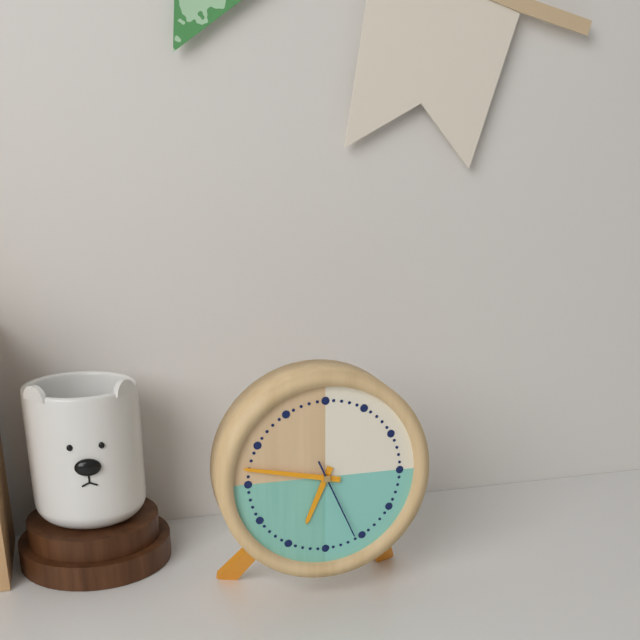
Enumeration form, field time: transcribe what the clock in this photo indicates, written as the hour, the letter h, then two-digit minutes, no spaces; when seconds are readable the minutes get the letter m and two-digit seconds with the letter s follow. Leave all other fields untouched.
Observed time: 6h47m26s
